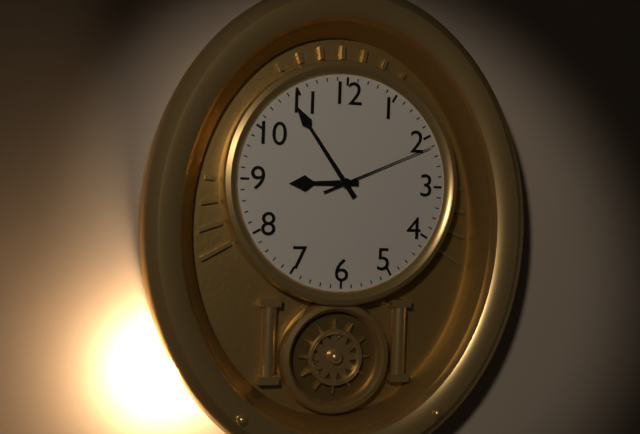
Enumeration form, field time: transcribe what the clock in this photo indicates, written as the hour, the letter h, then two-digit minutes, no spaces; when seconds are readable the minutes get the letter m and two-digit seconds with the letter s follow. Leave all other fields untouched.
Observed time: 8h54m11s
